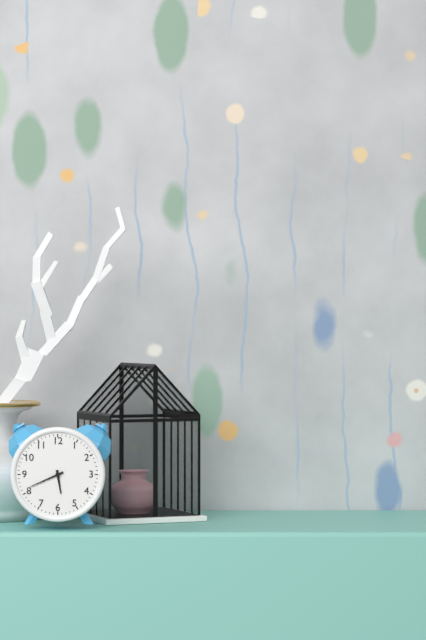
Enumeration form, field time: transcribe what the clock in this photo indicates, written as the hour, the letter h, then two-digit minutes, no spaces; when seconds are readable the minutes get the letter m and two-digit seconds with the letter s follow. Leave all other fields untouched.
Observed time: 5h41
